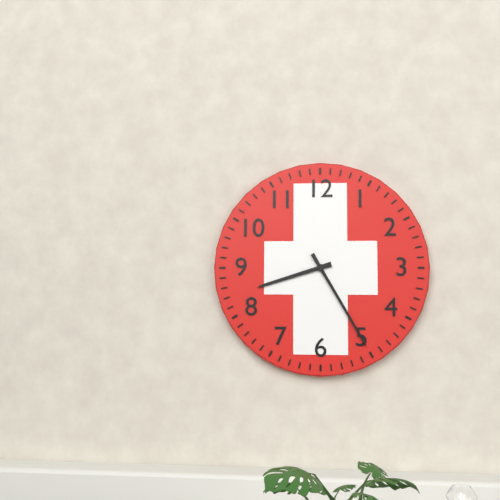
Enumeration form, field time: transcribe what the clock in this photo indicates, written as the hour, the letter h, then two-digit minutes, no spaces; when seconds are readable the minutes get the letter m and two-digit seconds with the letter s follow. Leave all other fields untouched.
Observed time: 8h25
